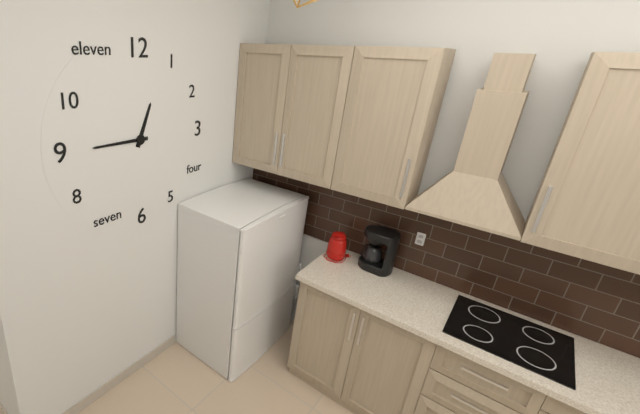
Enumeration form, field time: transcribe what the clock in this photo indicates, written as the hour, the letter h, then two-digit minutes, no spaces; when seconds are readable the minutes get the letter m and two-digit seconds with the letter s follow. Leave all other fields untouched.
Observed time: 12h45
